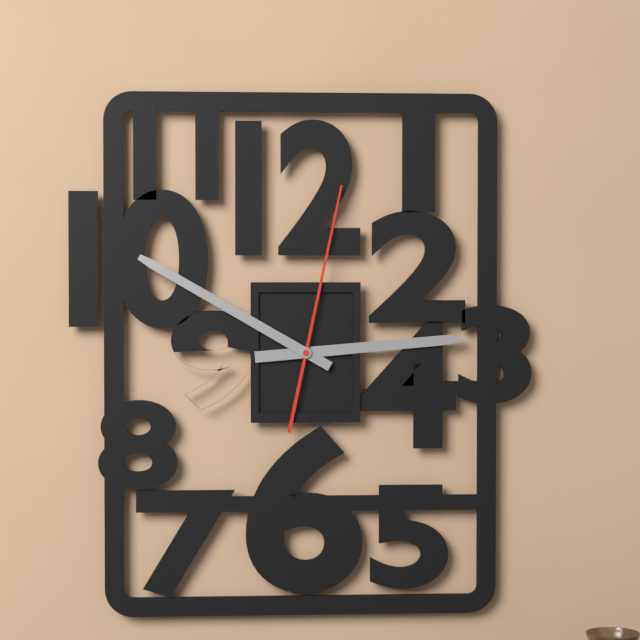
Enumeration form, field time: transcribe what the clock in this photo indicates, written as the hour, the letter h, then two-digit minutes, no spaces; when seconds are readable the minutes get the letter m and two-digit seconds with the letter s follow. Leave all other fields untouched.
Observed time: 2h50m02s
